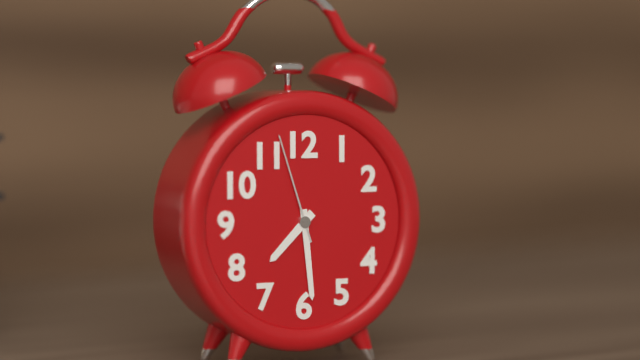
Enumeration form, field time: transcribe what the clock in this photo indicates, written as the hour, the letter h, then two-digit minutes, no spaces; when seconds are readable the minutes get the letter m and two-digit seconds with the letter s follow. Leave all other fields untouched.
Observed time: 7h29m57s
